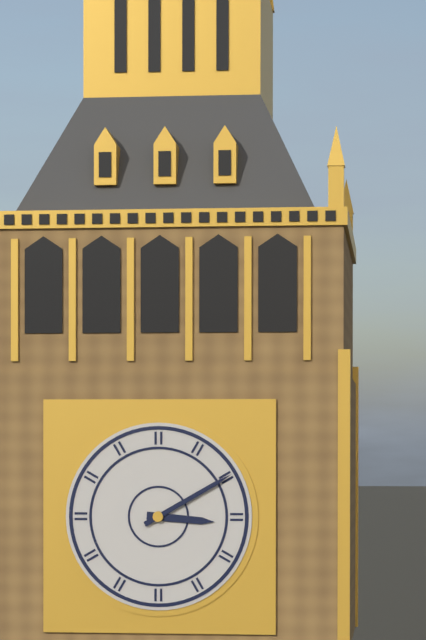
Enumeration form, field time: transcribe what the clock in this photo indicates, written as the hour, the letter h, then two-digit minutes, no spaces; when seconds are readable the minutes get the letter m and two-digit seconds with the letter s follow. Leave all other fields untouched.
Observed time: 3h10
